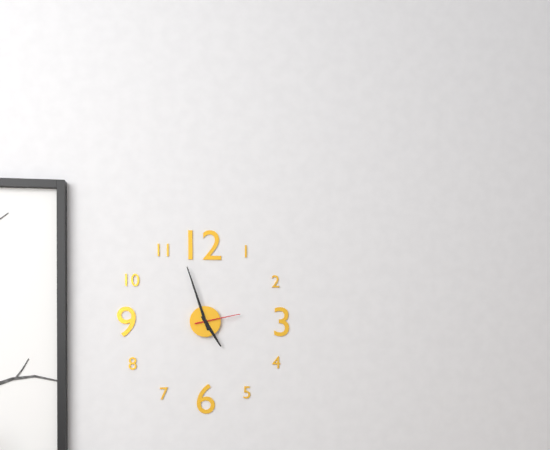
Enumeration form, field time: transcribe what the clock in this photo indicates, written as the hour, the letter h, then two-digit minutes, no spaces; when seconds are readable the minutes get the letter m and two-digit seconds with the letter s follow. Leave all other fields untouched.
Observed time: 4h57
